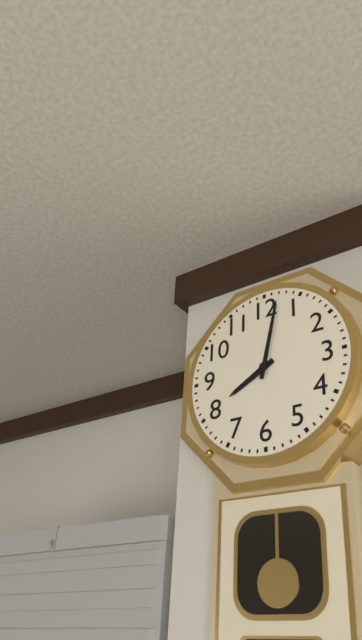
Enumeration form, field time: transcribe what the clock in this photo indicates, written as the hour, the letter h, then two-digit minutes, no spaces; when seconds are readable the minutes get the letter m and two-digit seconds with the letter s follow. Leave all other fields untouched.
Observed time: 8h02
